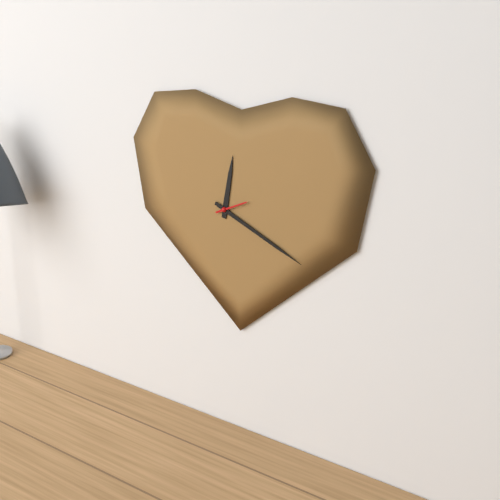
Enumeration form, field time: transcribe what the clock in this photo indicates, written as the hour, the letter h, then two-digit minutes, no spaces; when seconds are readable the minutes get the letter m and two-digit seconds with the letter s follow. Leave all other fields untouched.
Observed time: 12h19
